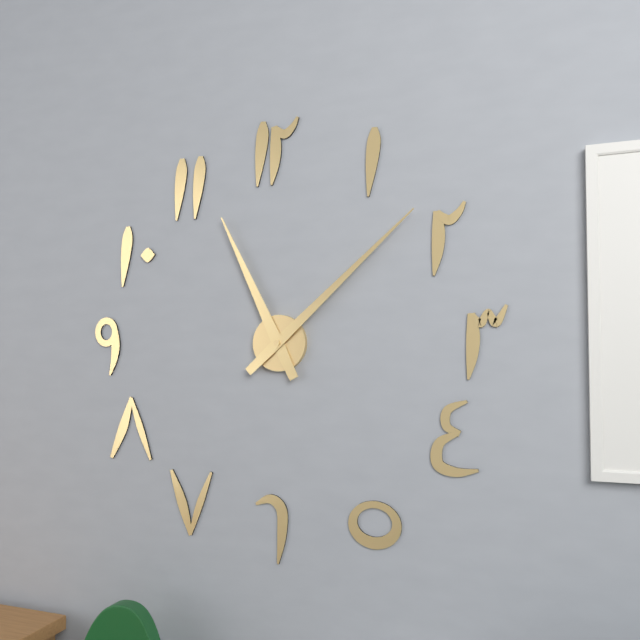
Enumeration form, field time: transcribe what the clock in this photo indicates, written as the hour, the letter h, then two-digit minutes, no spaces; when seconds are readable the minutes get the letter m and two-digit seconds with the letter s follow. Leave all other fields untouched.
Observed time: 11h08
